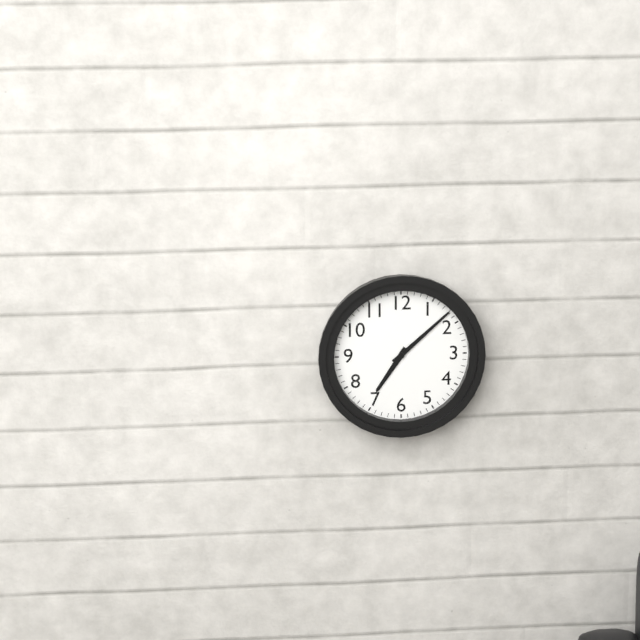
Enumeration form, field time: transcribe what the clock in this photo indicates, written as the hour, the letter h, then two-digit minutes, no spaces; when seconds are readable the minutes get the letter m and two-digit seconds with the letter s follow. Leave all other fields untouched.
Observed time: 7h08
